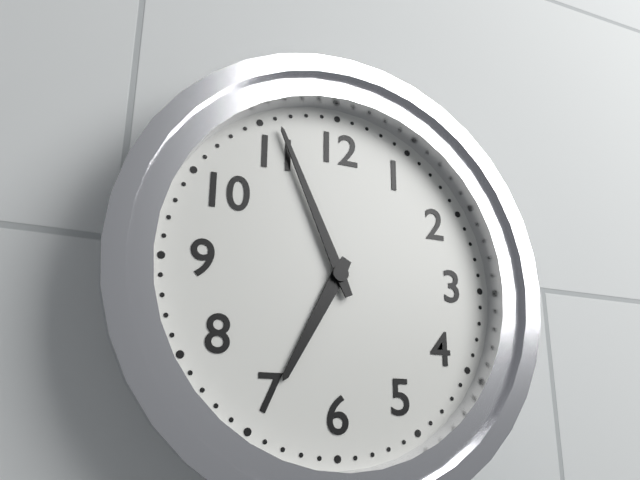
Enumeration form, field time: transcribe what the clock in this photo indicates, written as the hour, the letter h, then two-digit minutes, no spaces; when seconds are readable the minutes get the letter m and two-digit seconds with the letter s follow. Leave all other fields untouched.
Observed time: 6h56
